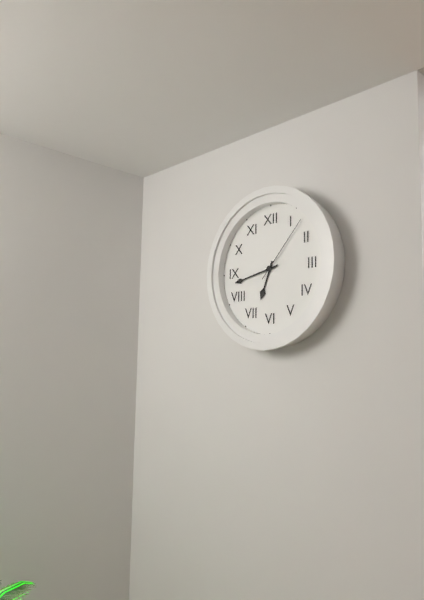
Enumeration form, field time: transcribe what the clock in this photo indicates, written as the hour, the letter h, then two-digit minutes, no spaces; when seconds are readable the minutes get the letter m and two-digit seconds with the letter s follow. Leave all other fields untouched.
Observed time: 6h43m07s
